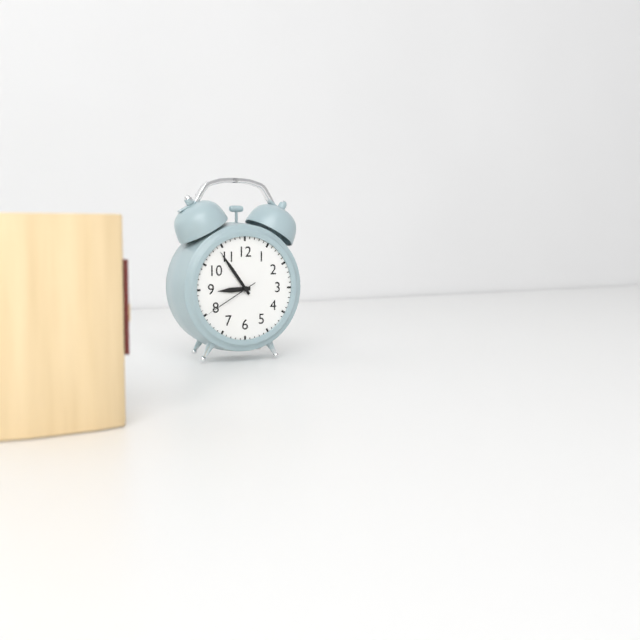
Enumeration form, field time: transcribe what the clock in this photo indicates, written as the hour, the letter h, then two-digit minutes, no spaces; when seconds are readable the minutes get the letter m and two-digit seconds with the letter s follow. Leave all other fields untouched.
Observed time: 8h54m40s
